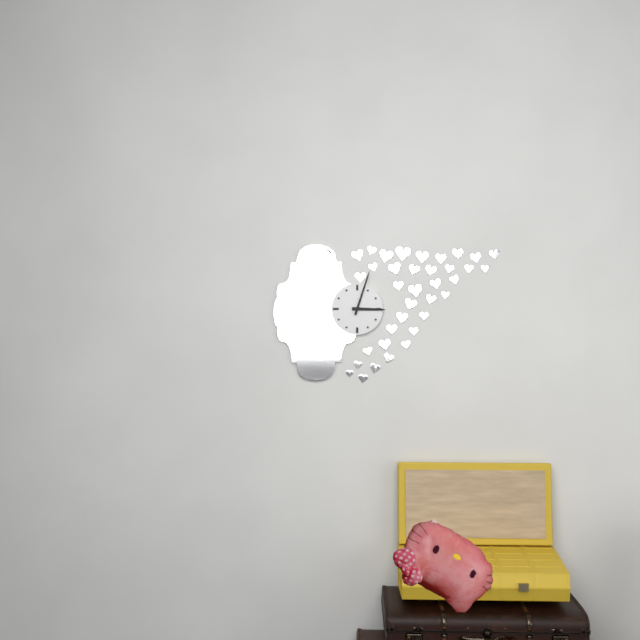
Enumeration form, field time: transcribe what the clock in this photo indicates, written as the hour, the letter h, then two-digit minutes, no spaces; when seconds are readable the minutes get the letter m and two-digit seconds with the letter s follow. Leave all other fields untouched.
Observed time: 3h03
